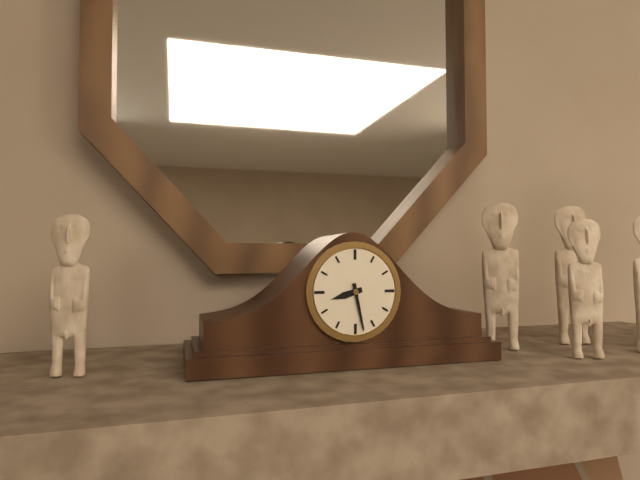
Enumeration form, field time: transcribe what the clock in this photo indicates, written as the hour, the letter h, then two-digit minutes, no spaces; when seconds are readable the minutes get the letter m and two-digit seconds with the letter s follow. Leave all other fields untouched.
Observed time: 8h28
